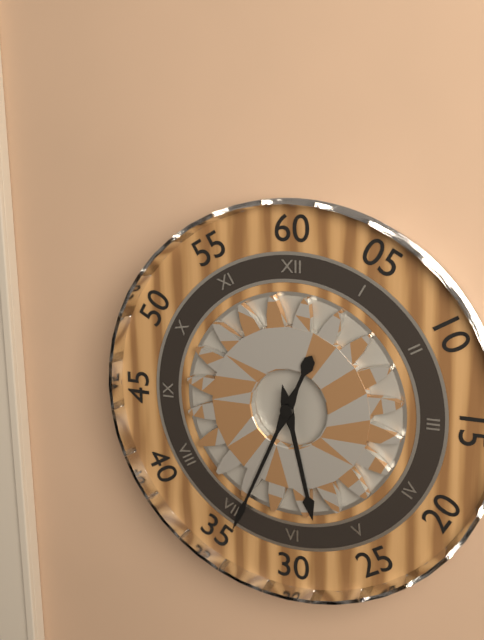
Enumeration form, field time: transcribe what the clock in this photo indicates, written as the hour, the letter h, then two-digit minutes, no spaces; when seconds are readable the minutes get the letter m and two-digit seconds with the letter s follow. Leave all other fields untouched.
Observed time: 5h34
